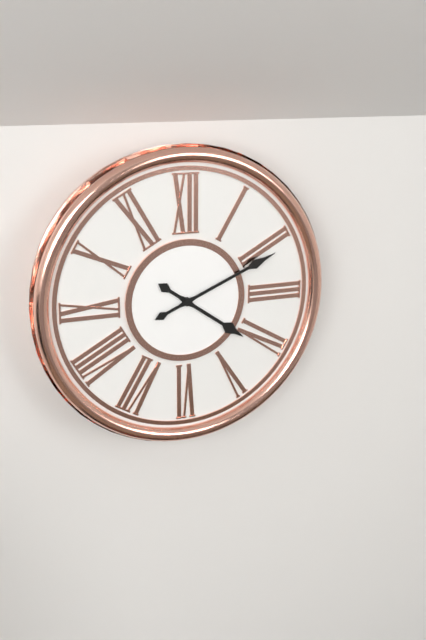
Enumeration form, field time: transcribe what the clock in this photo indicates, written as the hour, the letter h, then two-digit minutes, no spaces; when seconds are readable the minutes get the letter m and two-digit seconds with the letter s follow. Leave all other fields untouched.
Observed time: 4h11
